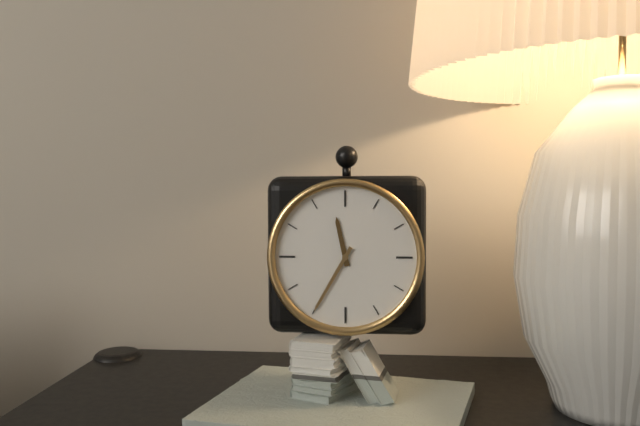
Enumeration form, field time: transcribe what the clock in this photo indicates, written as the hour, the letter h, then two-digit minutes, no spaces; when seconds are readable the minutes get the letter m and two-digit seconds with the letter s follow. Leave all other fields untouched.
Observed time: 11h35
